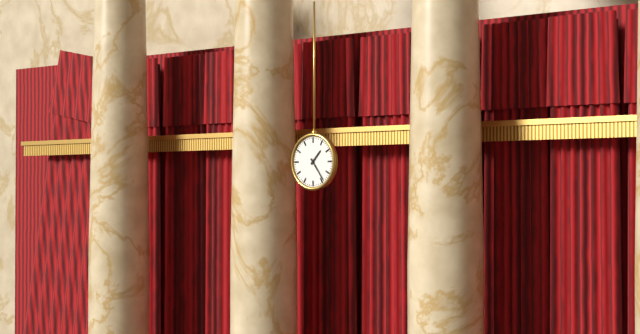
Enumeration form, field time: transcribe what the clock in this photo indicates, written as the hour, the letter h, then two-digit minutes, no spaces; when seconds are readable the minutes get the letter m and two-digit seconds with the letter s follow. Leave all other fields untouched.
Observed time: 1h24
